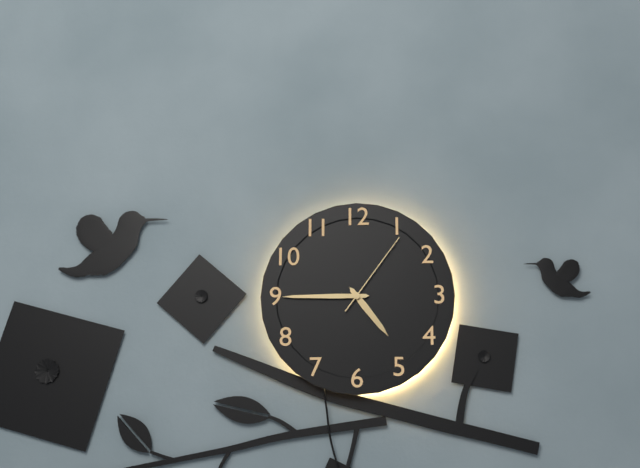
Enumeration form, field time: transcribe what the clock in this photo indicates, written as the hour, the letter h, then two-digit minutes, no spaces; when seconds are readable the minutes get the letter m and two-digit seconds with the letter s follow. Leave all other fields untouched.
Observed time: 4h45m06s
